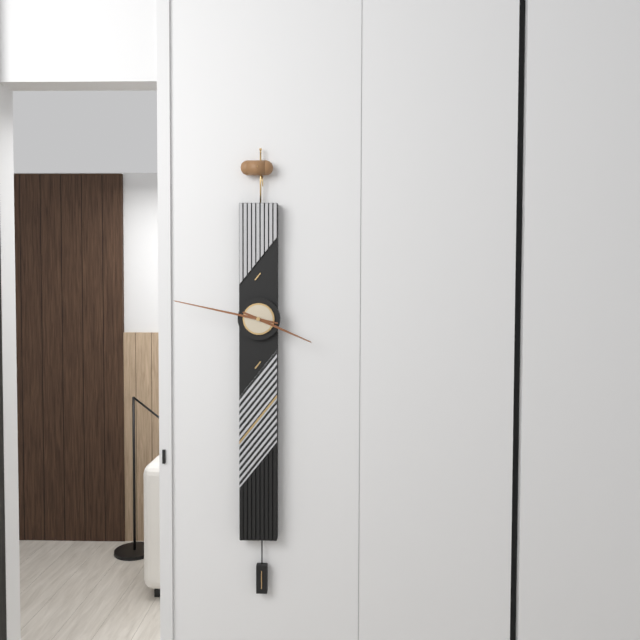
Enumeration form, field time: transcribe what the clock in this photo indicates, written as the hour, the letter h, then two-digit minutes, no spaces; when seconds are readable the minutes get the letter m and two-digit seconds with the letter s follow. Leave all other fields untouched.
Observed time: 3h47
